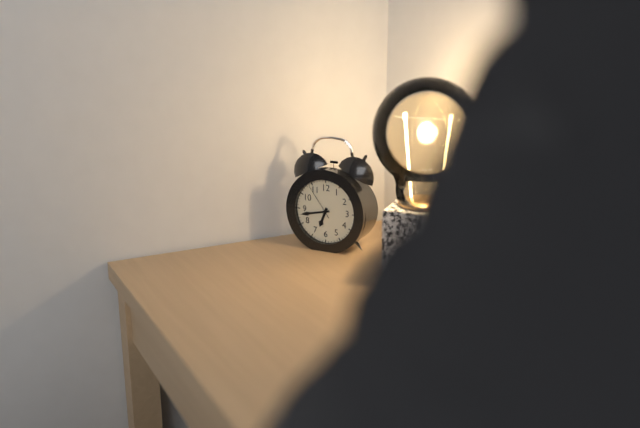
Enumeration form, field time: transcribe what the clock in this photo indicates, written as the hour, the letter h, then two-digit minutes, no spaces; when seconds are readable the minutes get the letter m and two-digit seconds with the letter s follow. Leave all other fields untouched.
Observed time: 6h43
